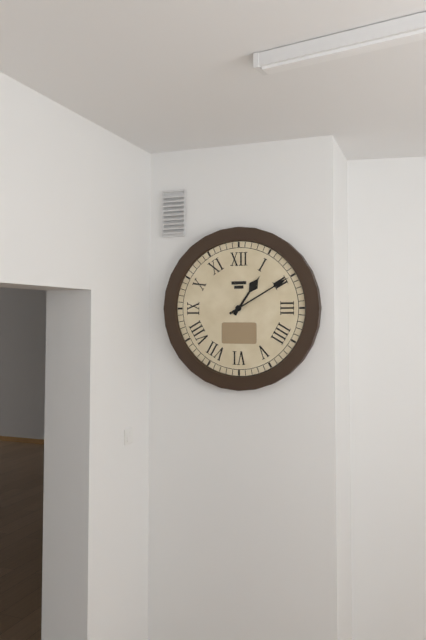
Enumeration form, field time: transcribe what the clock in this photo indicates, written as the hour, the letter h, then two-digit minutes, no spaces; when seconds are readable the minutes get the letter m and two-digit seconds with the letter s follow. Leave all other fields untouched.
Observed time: 1h10
